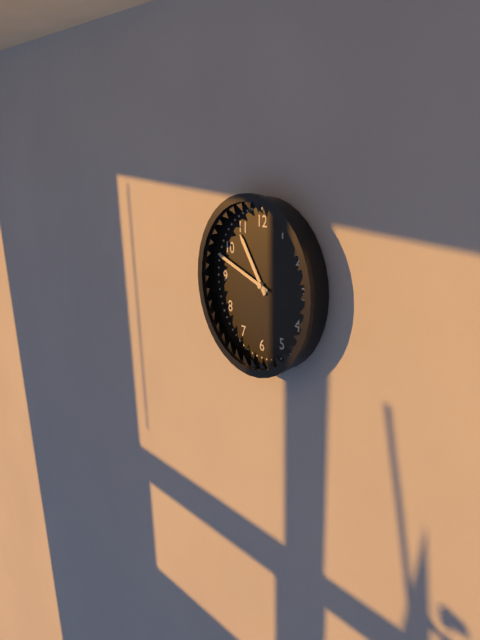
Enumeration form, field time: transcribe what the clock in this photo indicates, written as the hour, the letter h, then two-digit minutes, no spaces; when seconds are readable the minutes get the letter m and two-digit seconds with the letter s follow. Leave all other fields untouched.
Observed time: 10h48
